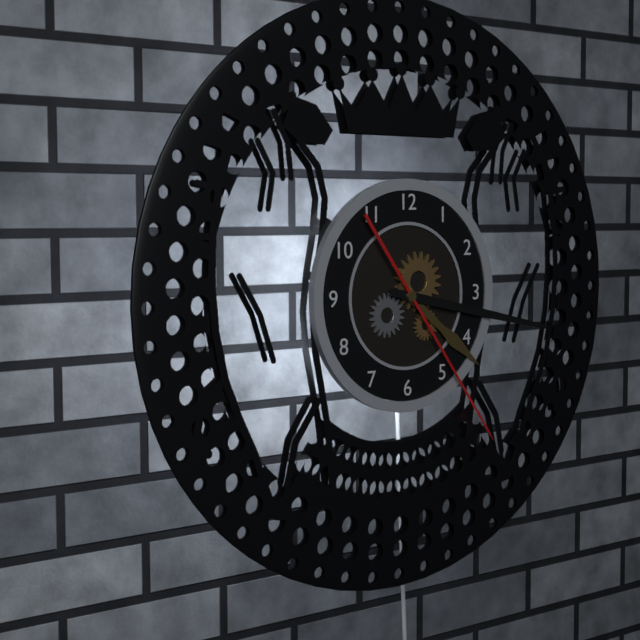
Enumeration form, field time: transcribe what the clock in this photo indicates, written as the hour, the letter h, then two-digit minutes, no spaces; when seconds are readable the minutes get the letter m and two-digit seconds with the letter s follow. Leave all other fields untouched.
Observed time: 4h17m24s
